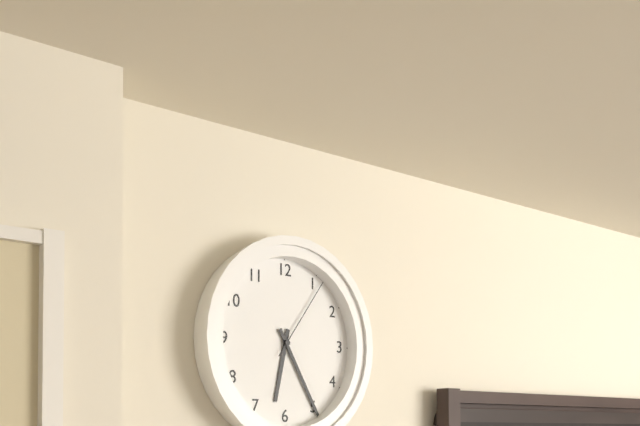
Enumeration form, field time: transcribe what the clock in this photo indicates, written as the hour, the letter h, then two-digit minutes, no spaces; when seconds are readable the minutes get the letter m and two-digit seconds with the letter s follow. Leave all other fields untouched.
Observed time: 6h25m06s
